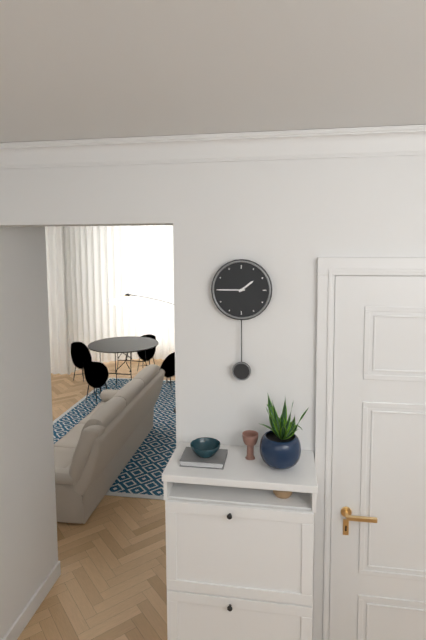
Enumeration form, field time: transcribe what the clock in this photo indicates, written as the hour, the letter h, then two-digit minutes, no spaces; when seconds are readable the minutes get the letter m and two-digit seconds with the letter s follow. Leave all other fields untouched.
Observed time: 1h45
